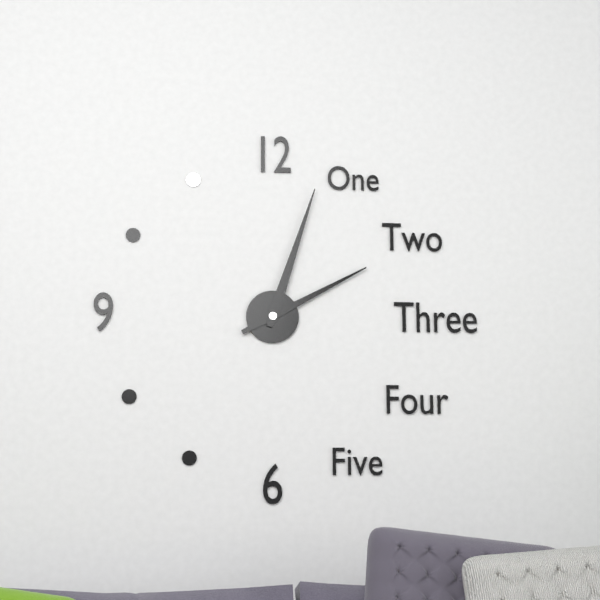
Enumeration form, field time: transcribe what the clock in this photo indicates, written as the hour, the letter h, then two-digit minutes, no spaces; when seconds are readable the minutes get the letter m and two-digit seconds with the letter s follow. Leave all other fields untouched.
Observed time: 2h03
